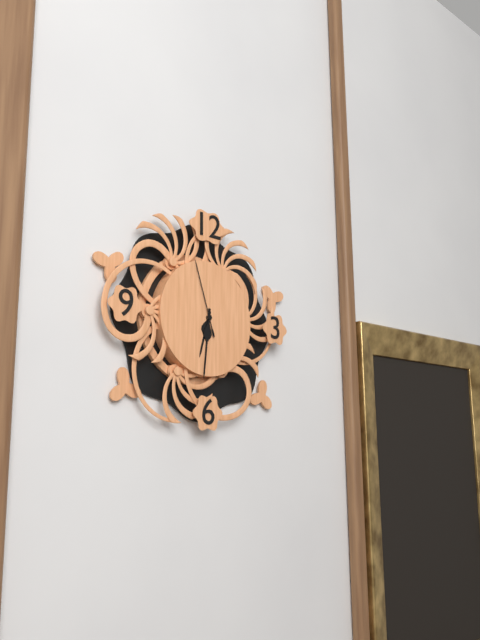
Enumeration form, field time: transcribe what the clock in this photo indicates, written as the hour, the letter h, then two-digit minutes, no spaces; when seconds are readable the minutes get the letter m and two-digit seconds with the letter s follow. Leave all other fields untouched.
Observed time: 6h31m57s
